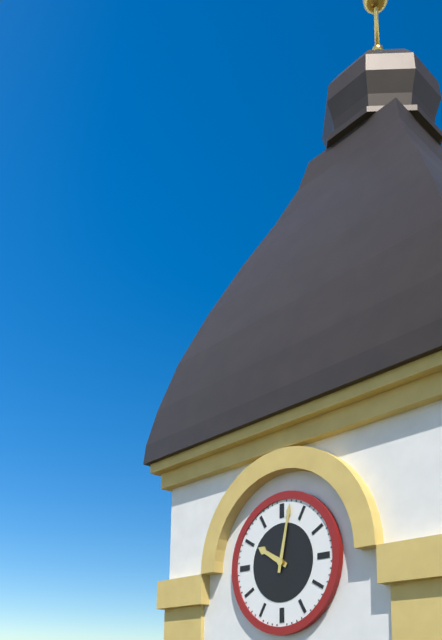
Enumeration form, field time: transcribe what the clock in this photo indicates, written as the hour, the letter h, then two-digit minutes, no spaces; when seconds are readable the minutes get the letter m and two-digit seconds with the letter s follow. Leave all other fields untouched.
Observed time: 10h02
